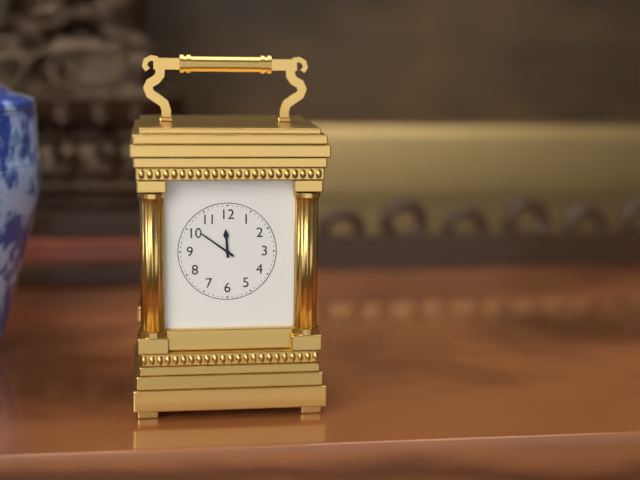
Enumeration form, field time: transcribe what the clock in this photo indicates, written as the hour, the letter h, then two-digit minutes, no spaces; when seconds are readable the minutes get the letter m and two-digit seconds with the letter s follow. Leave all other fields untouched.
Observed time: 11h51
